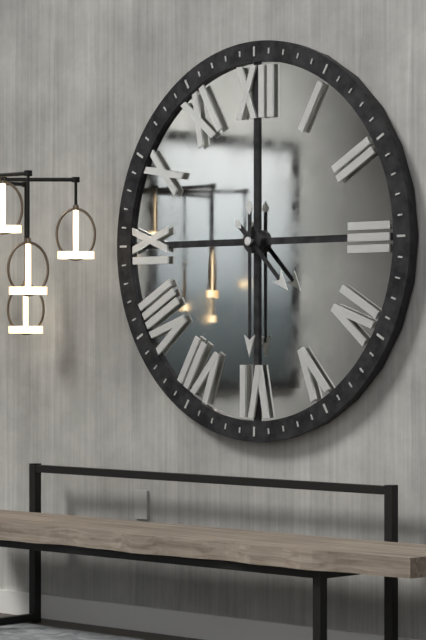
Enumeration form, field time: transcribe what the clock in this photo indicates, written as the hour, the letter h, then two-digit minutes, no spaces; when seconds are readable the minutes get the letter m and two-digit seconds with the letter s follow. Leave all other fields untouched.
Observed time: 4h30
